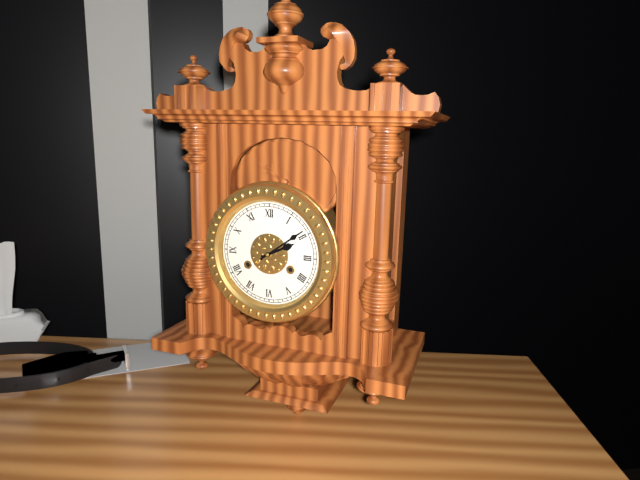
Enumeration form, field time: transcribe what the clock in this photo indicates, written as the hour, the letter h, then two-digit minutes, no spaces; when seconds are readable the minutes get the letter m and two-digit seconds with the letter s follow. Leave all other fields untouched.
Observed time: 2h09
